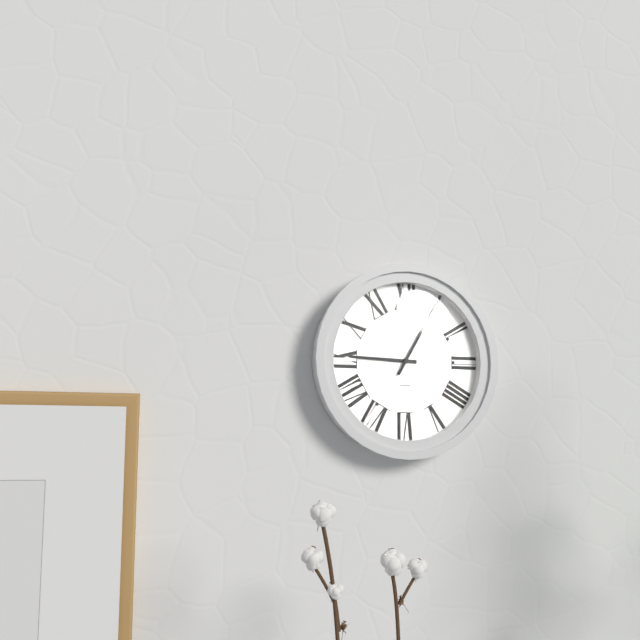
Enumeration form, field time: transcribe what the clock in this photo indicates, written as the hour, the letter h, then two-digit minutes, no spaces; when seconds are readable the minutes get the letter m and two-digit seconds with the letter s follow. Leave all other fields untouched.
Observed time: 9h05
